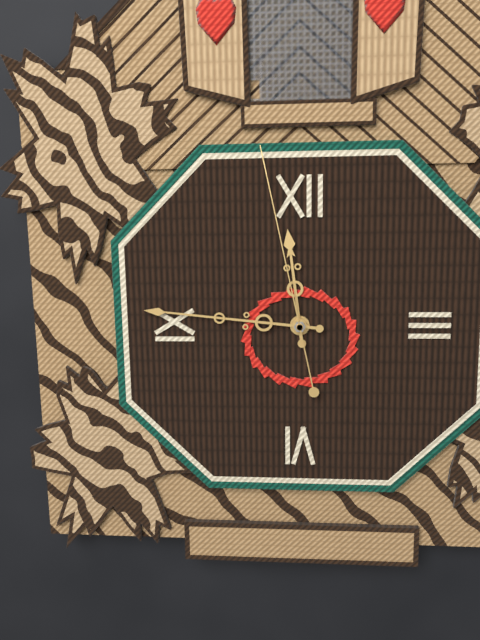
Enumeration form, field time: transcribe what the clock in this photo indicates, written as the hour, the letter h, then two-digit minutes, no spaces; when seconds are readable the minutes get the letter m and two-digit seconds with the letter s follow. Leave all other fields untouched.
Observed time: 11h46m58s
